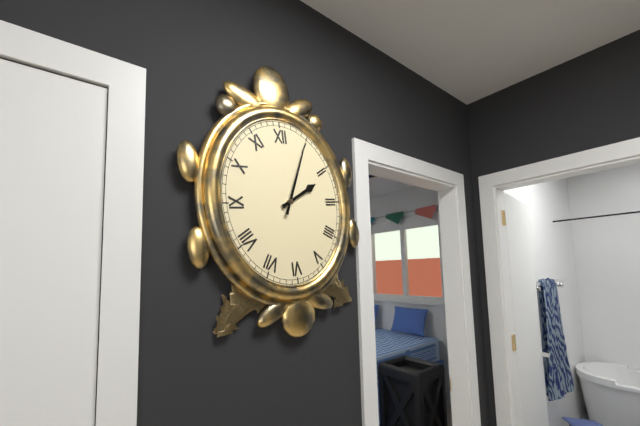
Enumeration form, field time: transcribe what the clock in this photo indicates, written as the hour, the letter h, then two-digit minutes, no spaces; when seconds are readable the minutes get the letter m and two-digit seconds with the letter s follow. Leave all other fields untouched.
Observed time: 2h04
